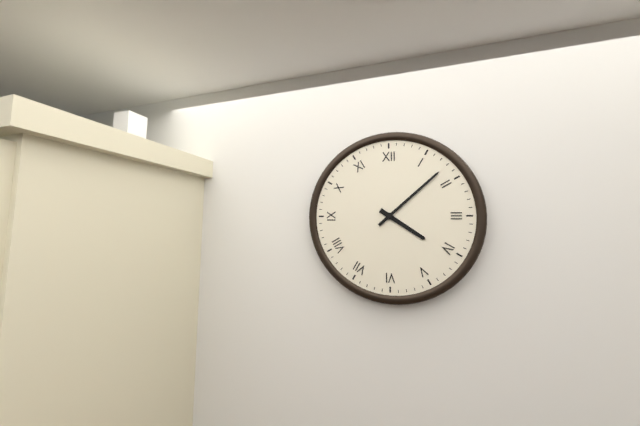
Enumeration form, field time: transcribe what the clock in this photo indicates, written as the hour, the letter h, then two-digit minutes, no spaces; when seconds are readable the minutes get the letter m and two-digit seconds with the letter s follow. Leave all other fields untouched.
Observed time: 4h08
